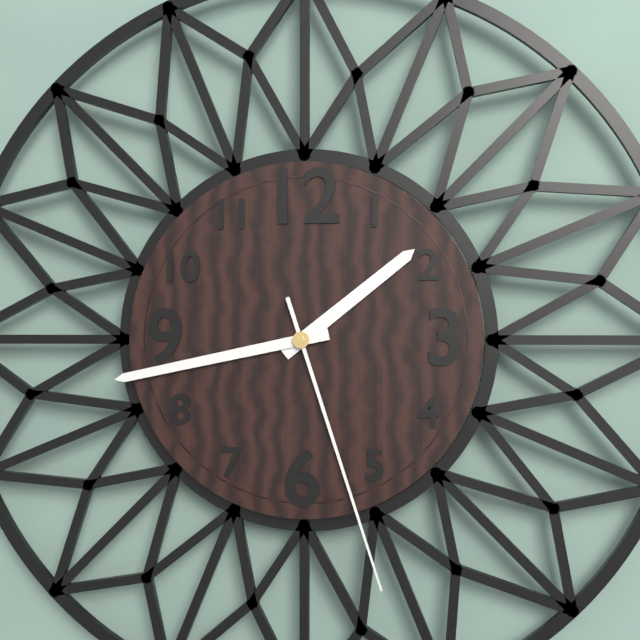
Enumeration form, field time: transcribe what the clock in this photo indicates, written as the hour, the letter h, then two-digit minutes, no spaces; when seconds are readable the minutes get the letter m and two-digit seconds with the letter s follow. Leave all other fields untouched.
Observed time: 1h43m27s
